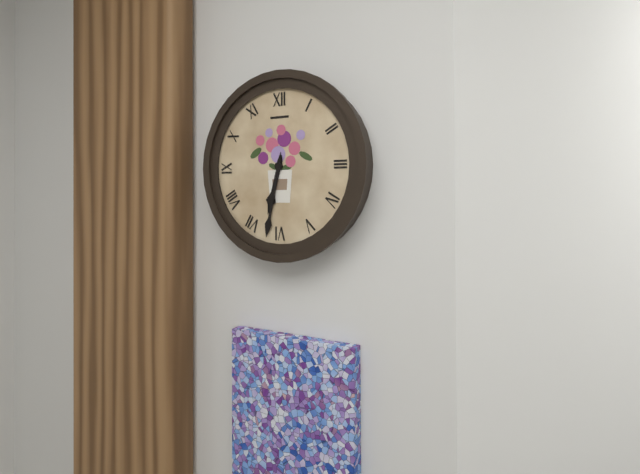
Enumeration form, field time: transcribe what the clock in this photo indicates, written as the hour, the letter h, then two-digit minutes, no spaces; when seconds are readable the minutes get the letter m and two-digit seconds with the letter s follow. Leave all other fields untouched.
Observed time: 6h32
